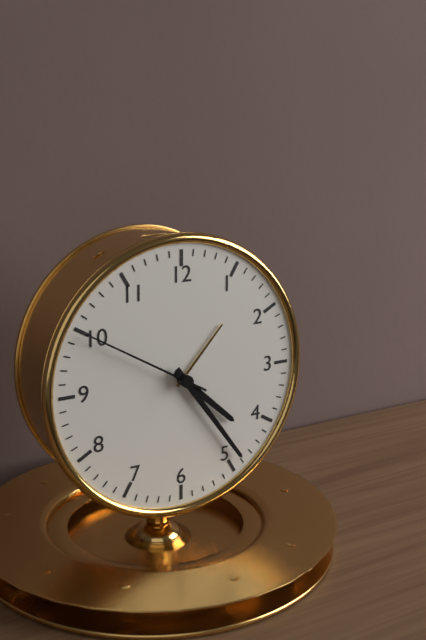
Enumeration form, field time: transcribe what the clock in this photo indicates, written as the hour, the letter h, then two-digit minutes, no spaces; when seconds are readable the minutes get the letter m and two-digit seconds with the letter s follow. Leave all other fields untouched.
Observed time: 4h24m50s
